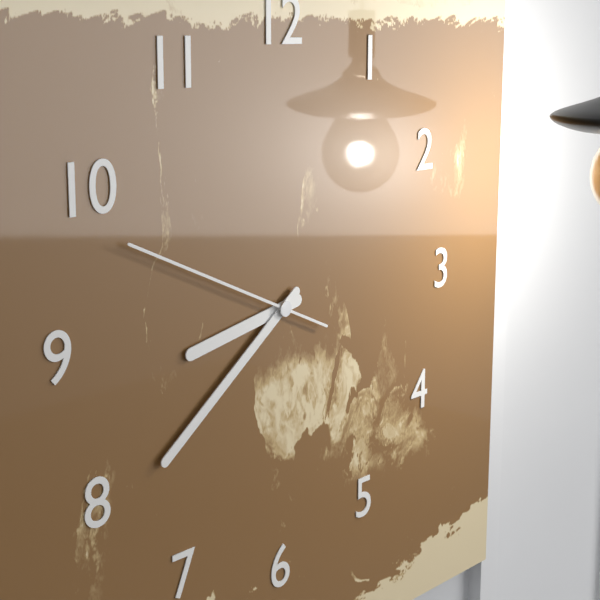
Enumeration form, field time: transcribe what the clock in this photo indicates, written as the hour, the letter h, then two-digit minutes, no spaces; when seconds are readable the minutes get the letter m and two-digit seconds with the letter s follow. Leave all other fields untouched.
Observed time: 8h39m49s
